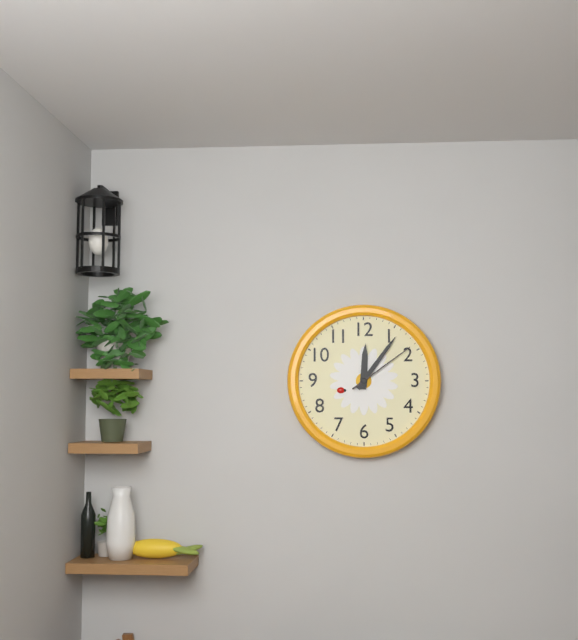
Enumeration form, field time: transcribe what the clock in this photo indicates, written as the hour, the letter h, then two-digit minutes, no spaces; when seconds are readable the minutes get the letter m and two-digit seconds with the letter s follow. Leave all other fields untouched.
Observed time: 12h06m09s
